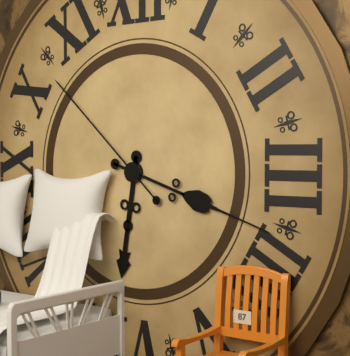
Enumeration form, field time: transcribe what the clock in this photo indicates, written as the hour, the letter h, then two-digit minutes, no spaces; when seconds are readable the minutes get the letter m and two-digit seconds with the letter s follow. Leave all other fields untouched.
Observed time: 6h18m52s
